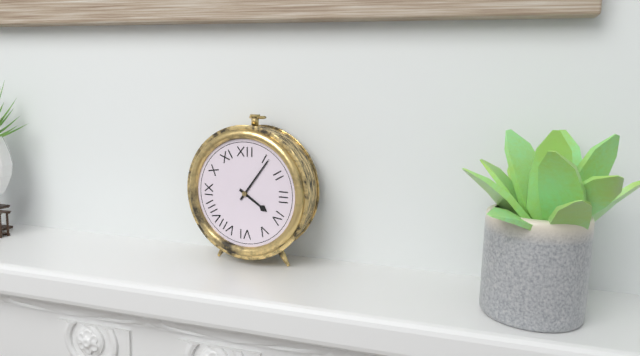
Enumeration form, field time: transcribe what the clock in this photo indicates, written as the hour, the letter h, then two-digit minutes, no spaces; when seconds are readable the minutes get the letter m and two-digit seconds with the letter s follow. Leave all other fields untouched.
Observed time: 4h06
